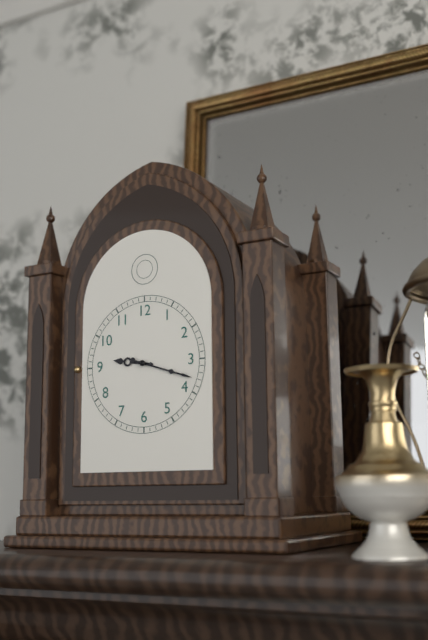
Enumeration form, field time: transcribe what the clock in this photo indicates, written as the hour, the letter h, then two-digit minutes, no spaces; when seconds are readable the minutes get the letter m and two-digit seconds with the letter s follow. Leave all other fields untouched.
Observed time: 9h18
